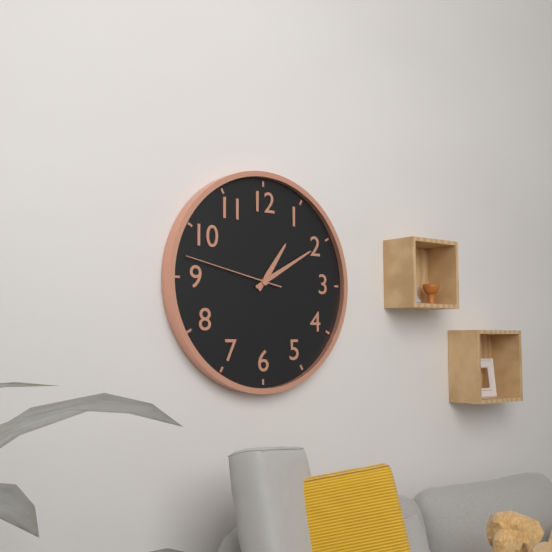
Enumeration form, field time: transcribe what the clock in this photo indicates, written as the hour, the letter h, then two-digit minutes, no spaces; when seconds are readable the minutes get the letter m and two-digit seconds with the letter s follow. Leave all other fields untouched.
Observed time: 1h10m47s
